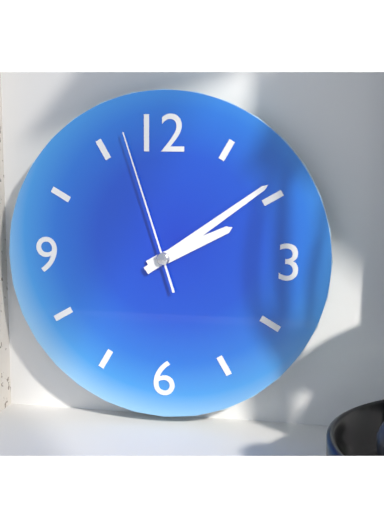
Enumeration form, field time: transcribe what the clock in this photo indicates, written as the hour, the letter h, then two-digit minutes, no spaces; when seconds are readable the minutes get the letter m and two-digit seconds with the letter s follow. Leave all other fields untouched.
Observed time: 2h09m57s
